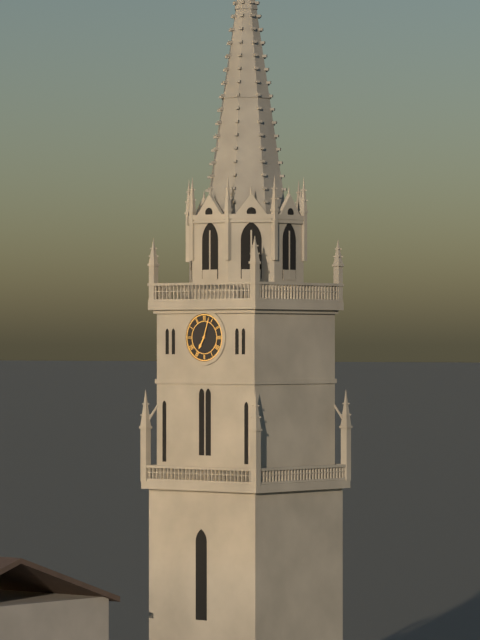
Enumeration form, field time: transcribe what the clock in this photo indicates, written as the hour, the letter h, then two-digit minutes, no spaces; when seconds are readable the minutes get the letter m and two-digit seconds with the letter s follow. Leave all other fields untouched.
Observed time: 7h03
